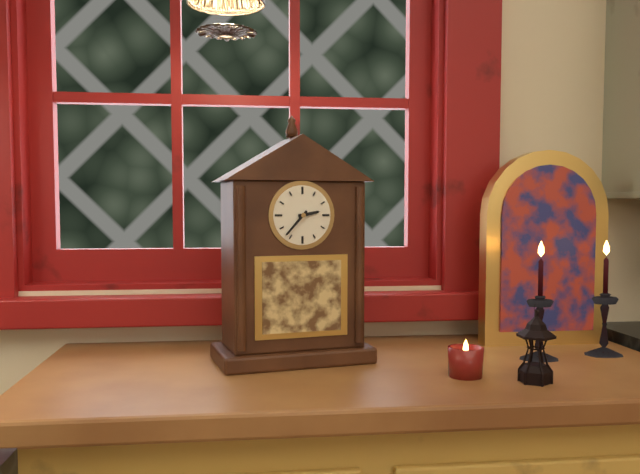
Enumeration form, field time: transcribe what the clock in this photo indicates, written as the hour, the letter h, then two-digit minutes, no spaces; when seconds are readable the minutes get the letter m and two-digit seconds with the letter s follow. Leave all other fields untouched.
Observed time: 2h37
